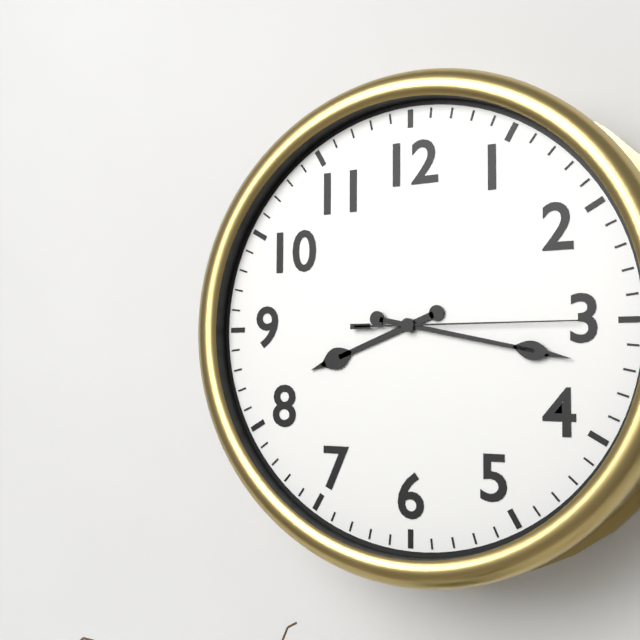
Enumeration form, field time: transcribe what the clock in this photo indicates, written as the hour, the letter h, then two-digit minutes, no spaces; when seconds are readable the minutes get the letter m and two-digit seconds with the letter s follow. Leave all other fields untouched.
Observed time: 8h17m15s
